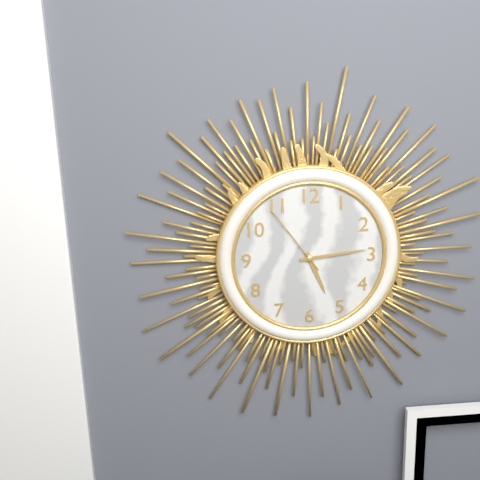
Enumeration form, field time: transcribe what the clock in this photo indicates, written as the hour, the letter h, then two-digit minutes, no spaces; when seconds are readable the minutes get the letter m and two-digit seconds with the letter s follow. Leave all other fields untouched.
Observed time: 5h14m54s
